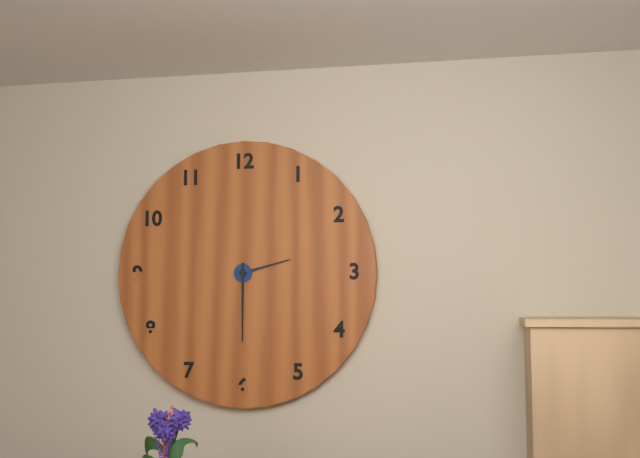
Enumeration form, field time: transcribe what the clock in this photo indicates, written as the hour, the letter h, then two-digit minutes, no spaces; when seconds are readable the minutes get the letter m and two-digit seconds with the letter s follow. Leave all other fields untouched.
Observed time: 2h30
